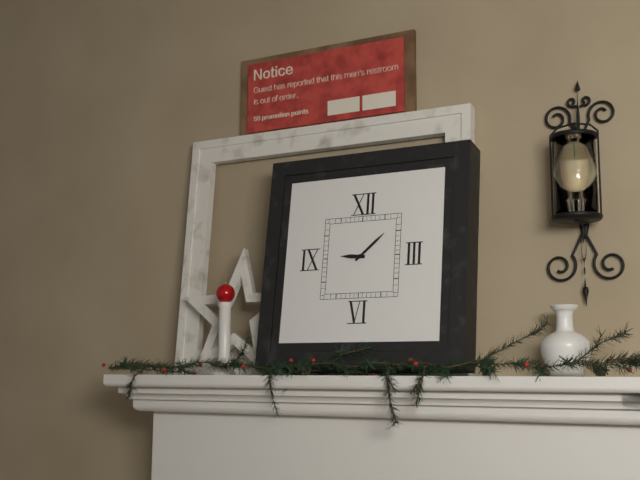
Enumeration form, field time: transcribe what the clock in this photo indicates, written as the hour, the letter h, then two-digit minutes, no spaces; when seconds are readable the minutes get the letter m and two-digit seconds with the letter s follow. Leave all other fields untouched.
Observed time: 9h08
